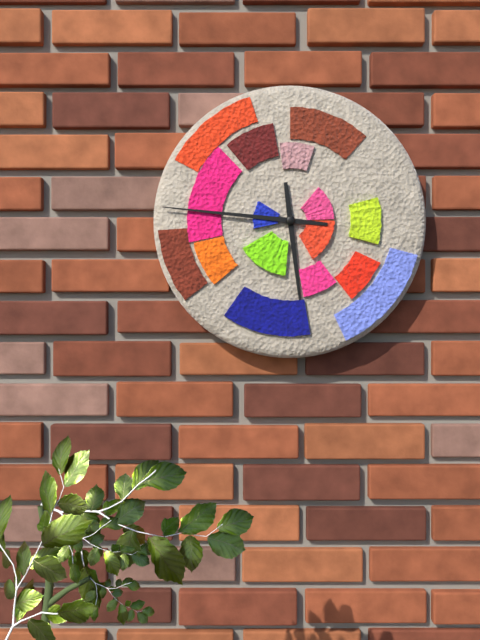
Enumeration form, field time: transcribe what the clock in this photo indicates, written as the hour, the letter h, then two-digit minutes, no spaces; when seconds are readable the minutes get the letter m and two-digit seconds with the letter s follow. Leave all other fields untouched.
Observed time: 5h46
